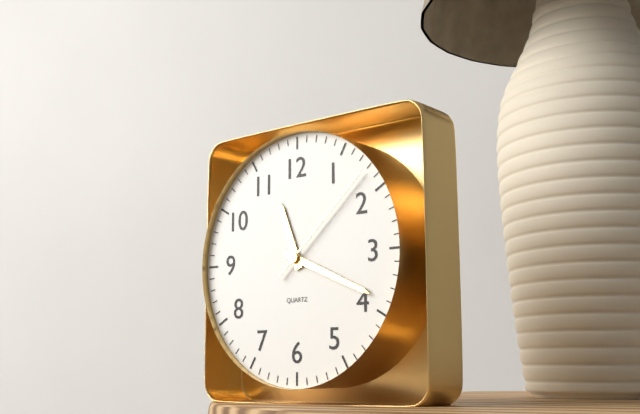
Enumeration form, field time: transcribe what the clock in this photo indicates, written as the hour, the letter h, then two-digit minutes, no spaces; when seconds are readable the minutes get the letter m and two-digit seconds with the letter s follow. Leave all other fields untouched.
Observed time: 11h19m08s
